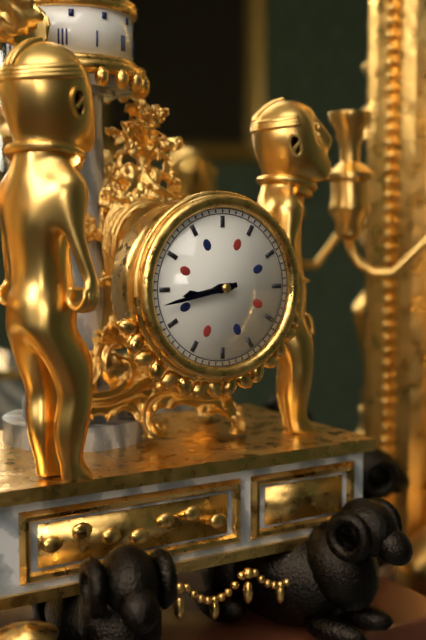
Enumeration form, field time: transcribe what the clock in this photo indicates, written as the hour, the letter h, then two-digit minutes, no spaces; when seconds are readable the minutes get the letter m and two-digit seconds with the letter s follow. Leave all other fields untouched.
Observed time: 8h43
